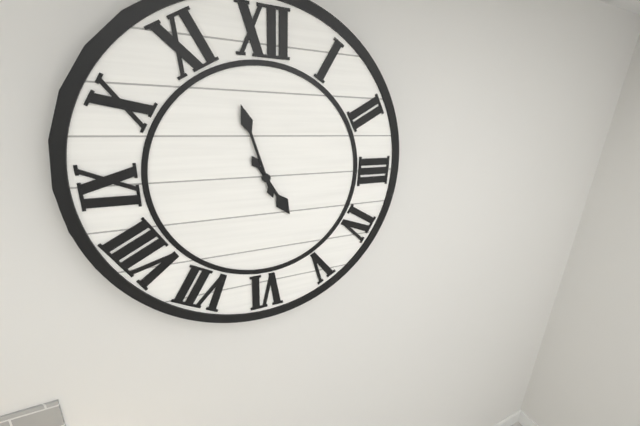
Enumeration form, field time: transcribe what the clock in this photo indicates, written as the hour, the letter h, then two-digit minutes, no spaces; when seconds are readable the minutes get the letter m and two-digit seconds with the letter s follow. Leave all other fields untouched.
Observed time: 4h57
